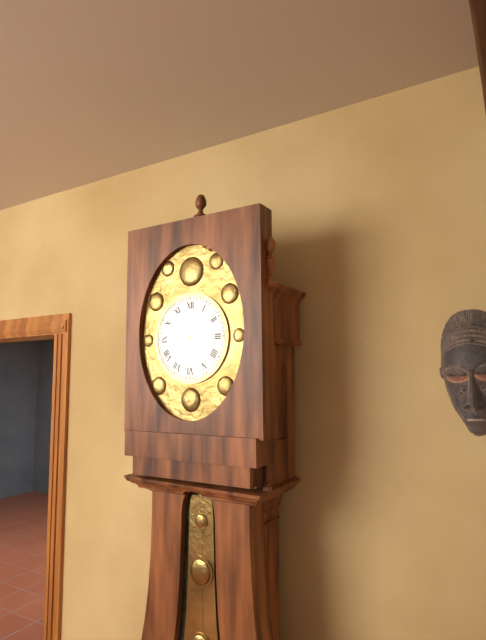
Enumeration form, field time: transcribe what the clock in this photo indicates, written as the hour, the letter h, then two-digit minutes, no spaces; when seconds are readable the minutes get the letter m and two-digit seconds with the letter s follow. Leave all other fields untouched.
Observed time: 10h18
